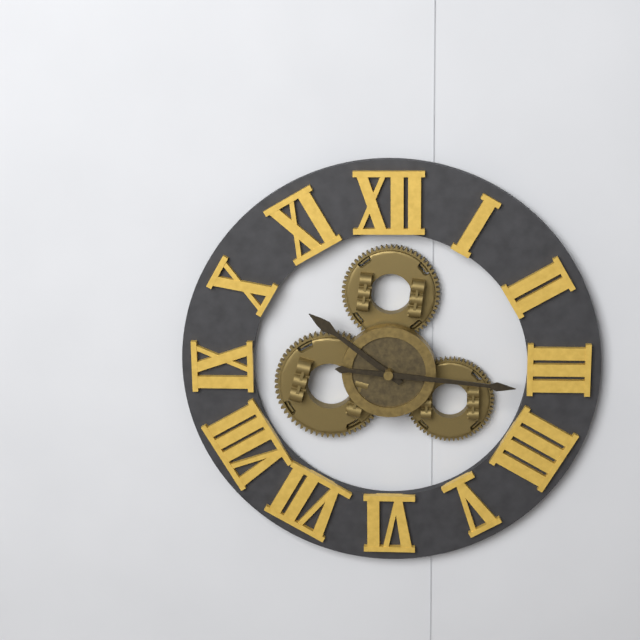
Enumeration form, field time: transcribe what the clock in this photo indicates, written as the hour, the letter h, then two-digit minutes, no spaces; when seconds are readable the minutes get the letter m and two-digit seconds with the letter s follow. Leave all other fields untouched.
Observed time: 10h16
